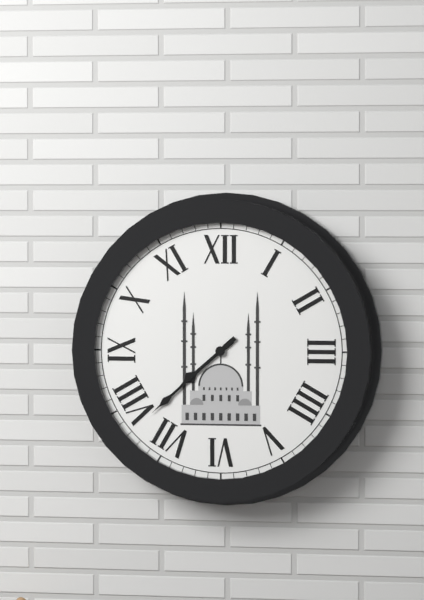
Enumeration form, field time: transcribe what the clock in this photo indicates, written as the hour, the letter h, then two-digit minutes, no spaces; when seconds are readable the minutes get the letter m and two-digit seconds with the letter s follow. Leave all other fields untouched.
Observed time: 7h38
